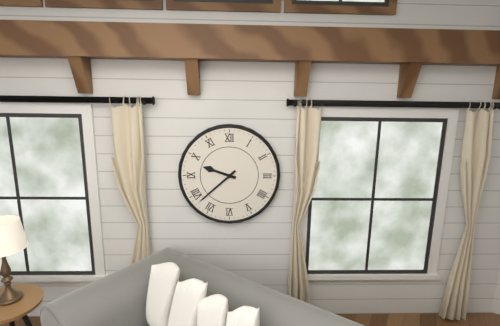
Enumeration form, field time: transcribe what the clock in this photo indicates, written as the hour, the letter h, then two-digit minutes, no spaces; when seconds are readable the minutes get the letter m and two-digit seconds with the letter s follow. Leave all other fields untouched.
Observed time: 9h38
